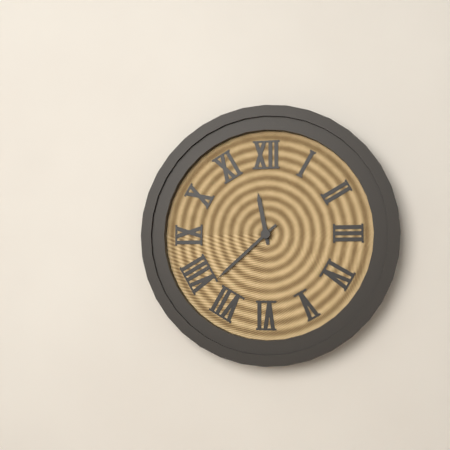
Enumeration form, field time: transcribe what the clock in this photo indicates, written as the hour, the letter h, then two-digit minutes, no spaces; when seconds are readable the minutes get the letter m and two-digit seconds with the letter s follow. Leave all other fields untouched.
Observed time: 11h38
